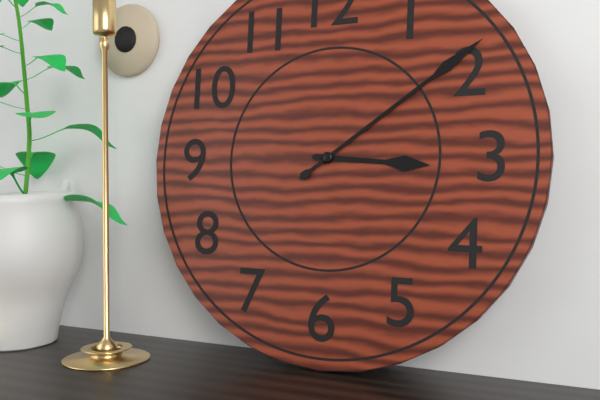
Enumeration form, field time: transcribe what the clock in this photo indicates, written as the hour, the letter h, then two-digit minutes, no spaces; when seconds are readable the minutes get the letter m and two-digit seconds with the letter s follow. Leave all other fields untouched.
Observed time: 3h09
